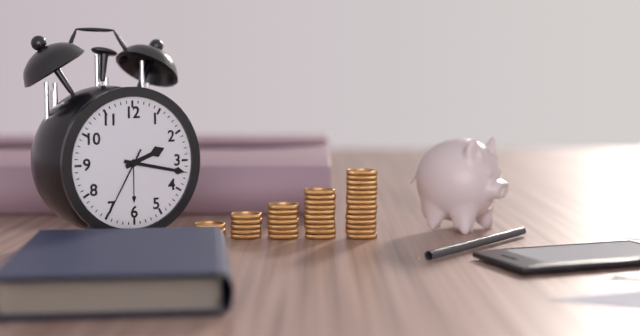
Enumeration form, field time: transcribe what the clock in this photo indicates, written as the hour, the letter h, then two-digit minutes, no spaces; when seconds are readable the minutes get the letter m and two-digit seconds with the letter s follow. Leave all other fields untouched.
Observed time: 2h17m35s
